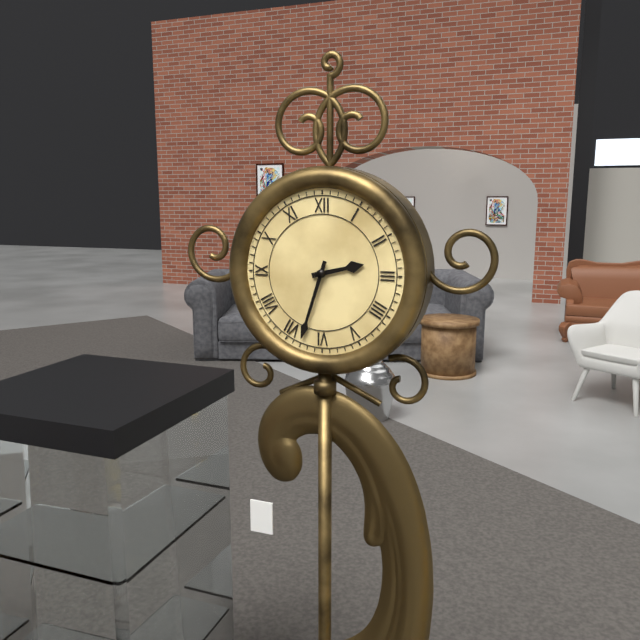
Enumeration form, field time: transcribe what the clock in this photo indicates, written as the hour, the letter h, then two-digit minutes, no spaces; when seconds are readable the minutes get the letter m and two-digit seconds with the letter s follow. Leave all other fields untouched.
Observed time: 2h33
